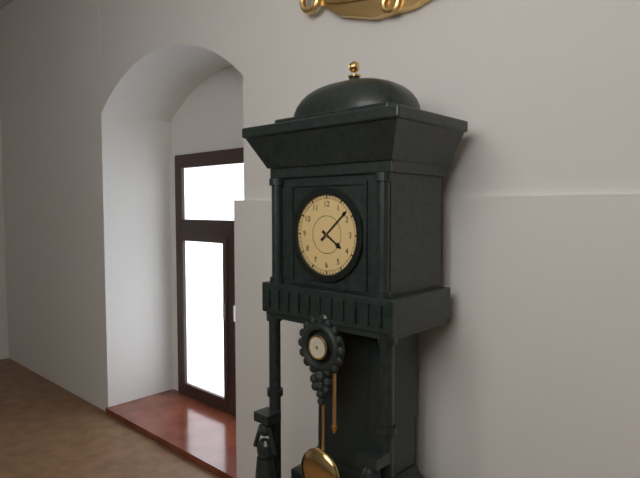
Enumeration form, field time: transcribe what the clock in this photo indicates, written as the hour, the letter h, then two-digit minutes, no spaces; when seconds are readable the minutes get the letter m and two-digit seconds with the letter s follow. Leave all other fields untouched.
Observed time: 4h08
